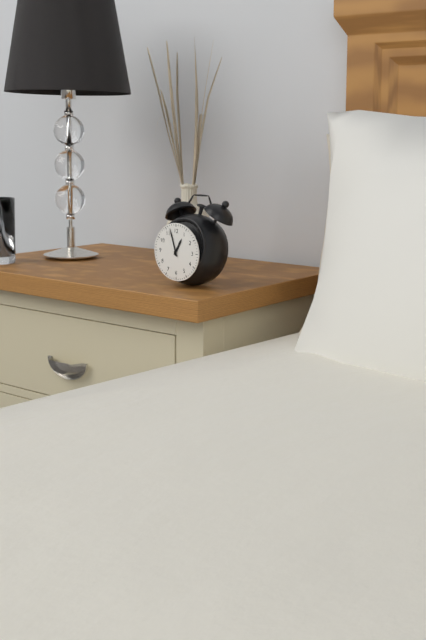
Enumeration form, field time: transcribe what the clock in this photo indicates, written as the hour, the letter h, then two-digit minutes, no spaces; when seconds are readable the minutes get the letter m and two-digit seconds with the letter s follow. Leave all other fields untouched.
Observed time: 12h57
